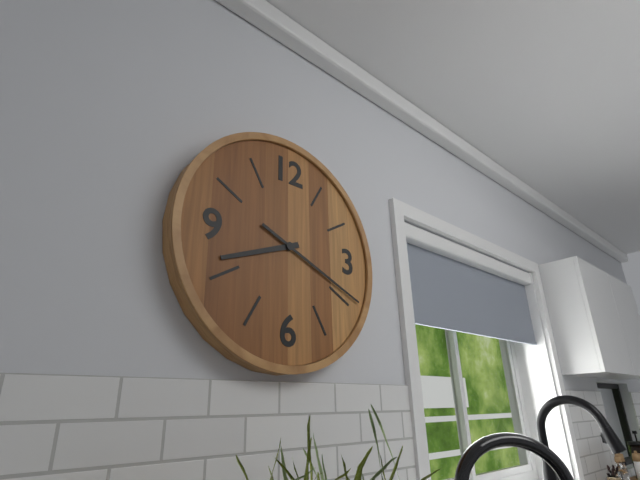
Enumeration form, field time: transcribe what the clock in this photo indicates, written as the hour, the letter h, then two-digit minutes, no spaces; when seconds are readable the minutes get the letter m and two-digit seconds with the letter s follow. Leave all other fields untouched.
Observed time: 8h19
